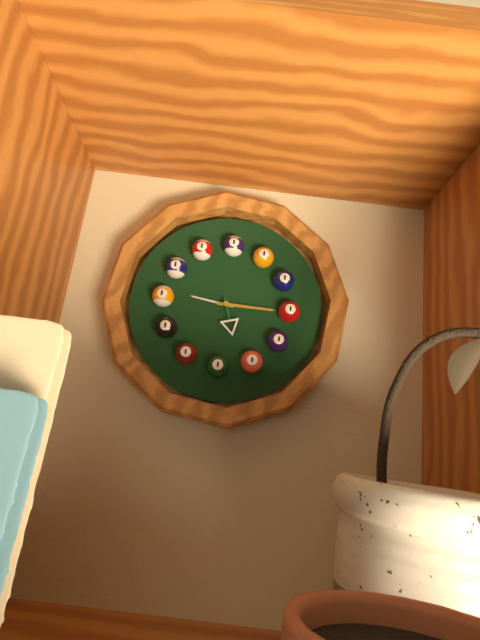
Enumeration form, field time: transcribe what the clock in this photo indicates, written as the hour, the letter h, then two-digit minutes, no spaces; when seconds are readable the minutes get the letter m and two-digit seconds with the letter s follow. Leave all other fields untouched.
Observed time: 9h15
